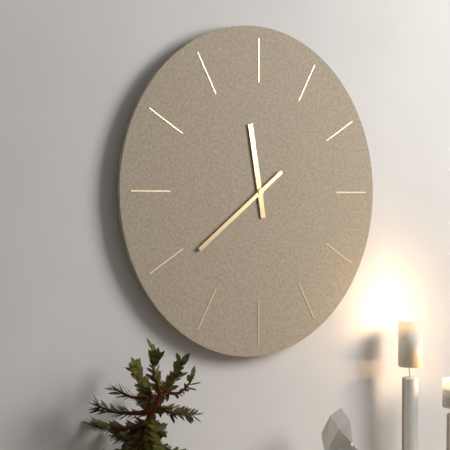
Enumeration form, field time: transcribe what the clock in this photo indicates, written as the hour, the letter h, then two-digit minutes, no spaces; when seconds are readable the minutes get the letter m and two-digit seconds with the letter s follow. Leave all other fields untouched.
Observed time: 11h39
